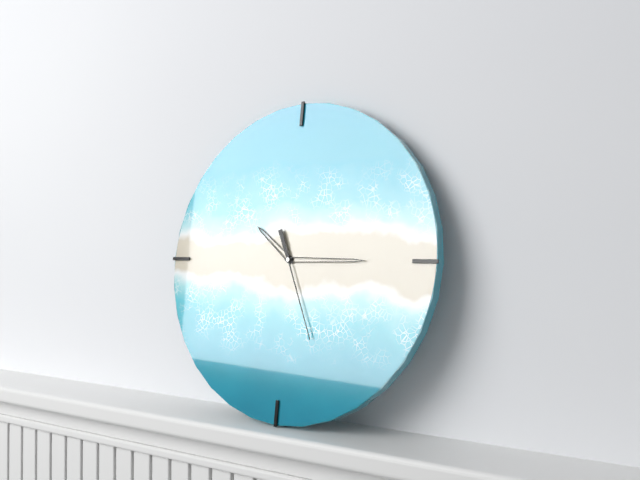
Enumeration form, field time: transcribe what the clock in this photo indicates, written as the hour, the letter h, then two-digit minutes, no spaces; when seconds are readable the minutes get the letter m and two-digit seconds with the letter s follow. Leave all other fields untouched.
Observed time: 10h15m26s
